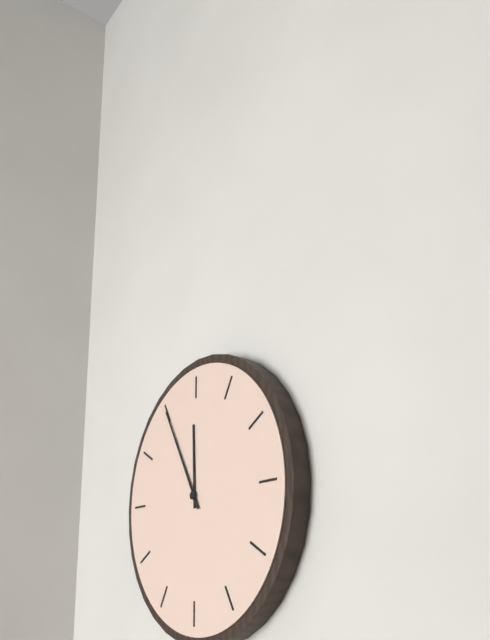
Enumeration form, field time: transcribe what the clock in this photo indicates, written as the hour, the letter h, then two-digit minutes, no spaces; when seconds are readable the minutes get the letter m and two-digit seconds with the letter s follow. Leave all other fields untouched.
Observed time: 11h55
